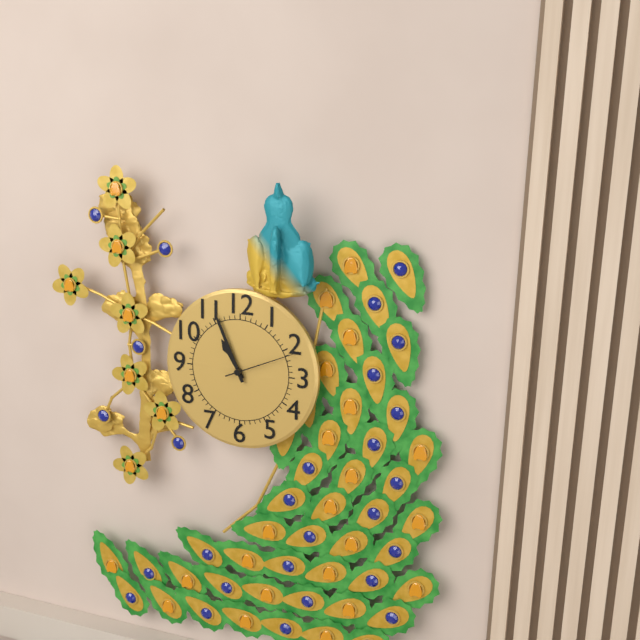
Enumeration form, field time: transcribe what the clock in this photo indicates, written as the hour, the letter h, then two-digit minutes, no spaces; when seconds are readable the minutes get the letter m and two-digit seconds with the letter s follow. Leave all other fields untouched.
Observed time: 10h56m11s
